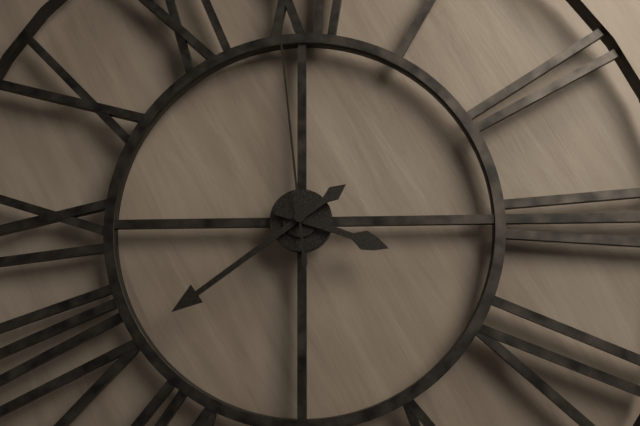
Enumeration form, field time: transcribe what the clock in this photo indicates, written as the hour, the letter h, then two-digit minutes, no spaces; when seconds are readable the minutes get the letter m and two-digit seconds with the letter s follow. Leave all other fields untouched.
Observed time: 3h39m59s
